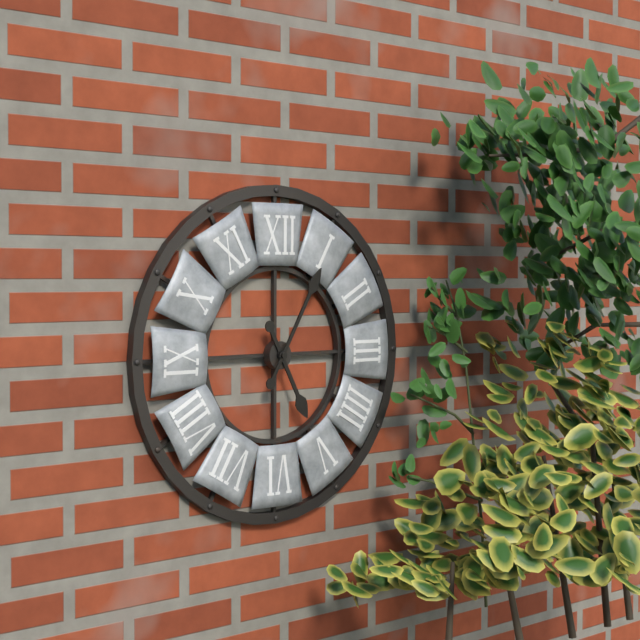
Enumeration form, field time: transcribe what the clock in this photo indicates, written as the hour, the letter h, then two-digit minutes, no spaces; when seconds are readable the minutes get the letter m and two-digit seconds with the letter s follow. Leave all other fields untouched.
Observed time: 5h05
